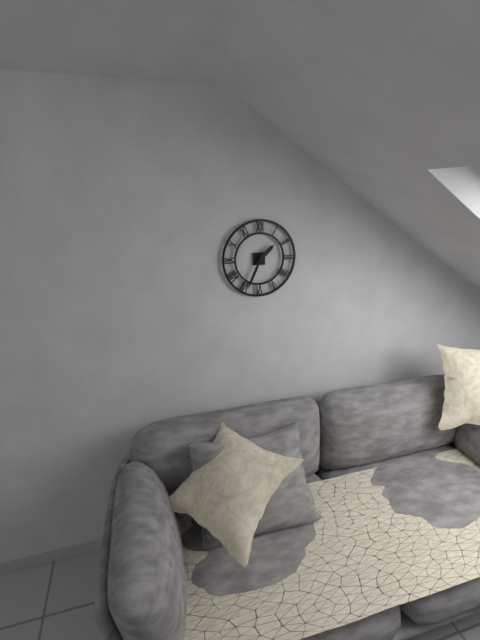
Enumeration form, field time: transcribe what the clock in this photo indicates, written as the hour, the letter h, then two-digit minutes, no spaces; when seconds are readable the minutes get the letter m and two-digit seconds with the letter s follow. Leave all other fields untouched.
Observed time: 1h34
